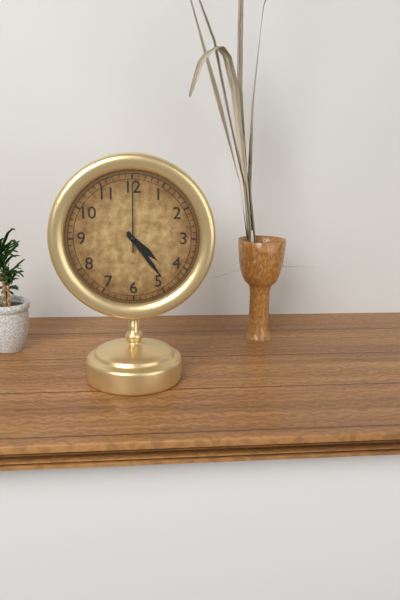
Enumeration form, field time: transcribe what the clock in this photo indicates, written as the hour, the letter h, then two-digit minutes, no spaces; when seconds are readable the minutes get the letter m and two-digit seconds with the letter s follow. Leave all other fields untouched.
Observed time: 4h24m00s
